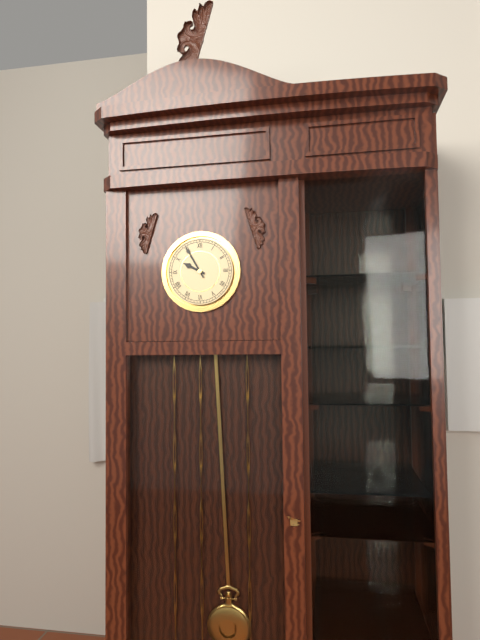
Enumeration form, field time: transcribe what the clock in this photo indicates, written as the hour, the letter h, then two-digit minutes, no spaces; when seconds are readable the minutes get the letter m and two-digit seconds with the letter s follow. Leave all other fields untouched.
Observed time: 9h55
